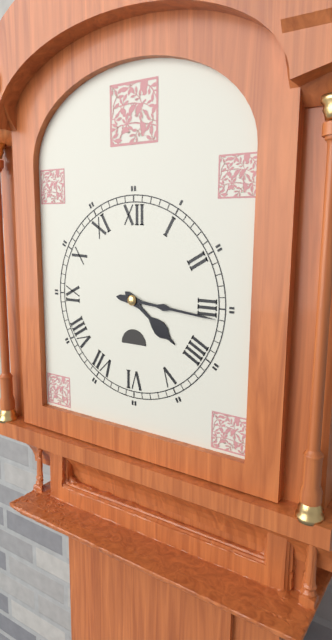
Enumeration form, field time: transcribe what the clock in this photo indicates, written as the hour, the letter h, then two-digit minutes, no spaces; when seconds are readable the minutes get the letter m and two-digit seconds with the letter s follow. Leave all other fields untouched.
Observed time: 4h16
